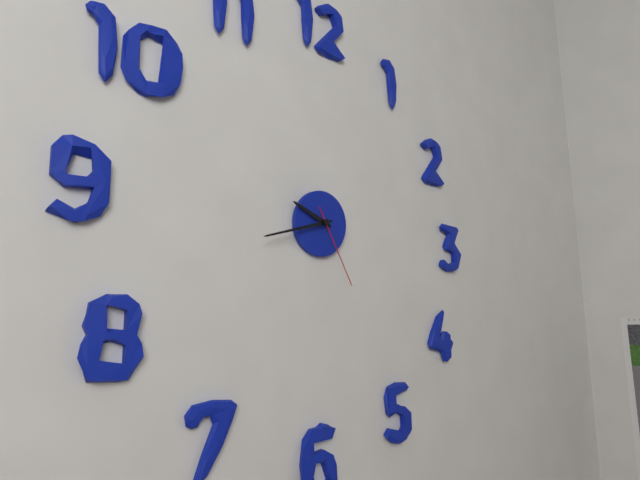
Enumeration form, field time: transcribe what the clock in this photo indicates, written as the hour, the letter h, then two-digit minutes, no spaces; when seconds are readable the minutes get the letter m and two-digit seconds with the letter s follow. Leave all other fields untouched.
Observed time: 9h42m25s
